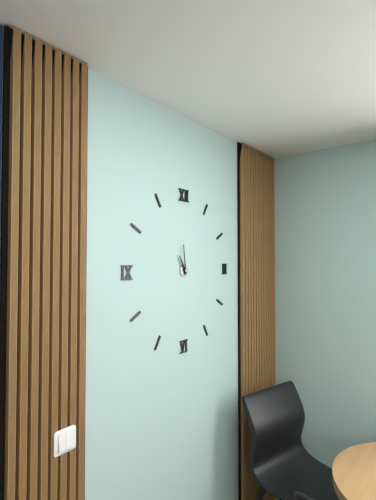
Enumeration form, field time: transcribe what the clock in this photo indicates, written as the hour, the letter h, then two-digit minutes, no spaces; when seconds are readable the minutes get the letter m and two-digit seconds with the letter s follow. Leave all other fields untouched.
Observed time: 10h59
